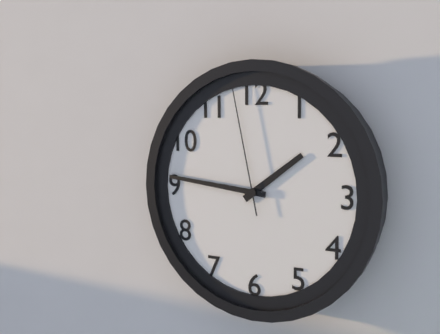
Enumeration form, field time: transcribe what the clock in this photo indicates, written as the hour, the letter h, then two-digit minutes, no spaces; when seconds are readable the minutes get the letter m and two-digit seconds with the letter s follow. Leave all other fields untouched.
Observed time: 1h46m58s
